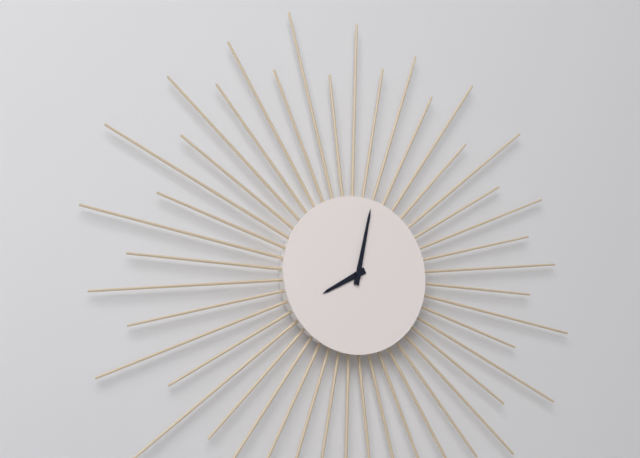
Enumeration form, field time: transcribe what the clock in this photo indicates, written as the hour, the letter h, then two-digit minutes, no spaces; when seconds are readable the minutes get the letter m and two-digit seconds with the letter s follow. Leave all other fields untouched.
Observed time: 8h02
